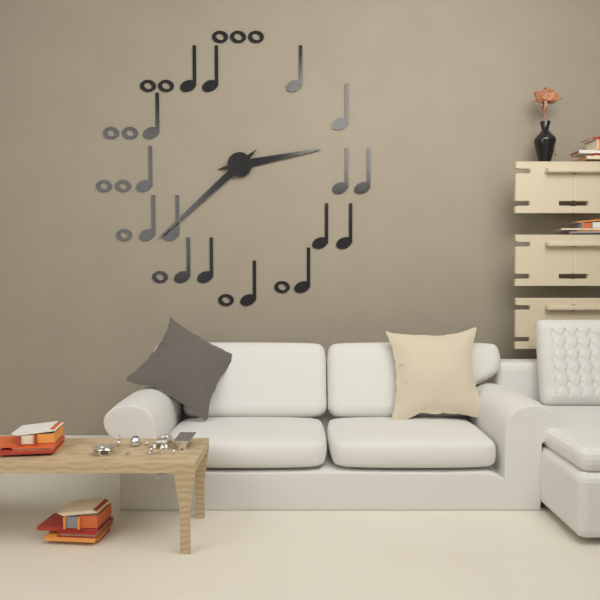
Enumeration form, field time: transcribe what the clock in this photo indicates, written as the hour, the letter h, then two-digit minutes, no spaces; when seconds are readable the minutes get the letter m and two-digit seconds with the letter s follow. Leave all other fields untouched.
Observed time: 2h38
